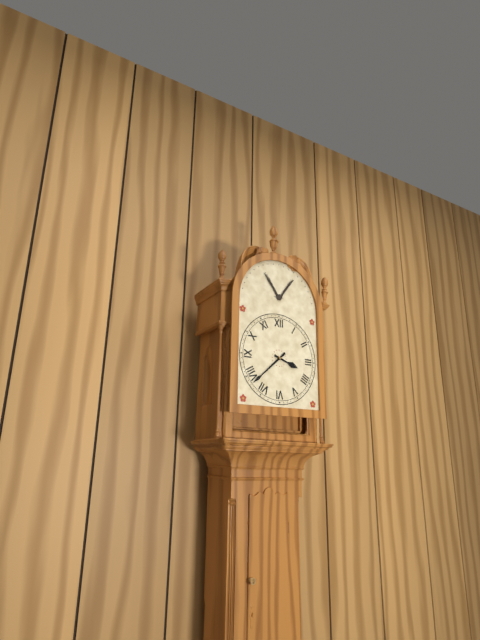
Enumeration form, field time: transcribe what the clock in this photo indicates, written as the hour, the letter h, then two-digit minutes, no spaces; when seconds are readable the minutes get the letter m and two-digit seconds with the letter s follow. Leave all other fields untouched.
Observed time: 3h38
